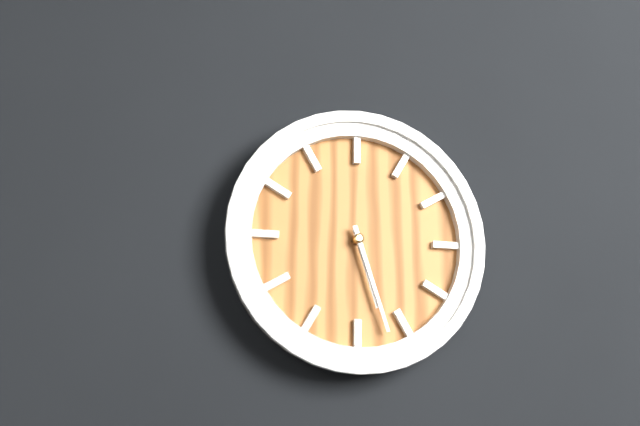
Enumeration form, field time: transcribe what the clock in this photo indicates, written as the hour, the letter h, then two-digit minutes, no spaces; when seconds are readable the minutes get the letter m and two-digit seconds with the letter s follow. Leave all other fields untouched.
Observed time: 5h27
